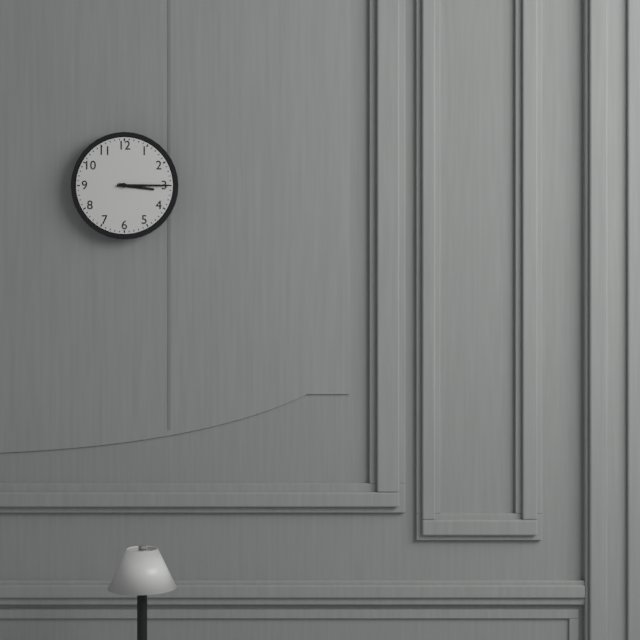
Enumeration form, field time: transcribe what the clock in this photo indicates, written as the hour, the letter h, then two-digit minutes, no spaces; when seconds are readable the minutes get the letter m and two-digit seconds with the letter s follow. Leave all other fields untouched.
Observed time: 3h15
